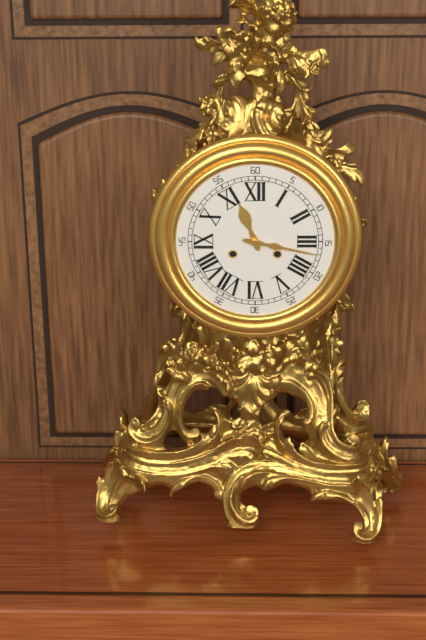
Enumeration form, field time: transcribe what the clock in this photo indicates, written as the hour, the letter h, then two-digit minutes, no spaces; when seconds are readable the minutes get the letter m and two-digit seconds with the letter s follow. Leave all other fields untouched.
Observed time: 11h17
